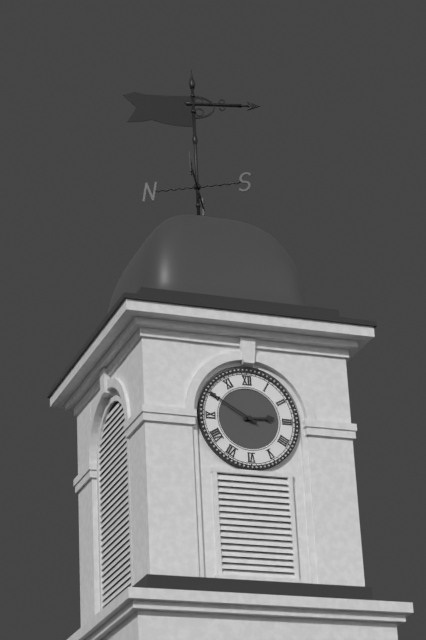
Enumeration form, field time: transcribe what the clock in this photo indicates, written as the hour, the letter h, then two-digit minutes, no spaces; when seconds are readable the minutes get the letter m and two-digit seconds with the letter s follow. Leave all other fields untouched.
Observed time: 2h50
